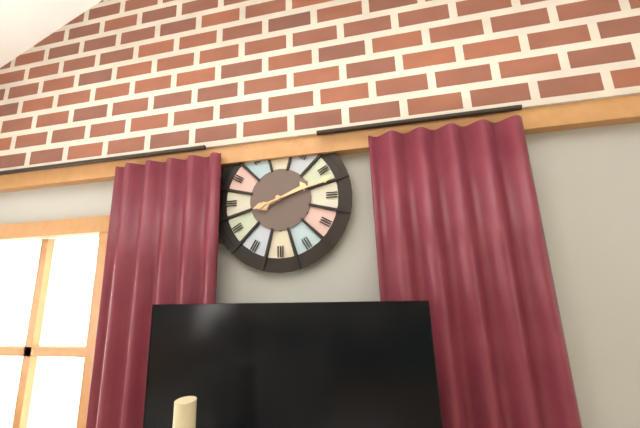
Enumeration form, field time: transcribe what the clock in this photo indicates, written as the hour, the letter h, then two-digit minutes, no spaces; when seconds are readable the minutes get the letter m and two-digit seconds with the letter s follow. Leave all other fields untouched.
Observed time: 2h12
